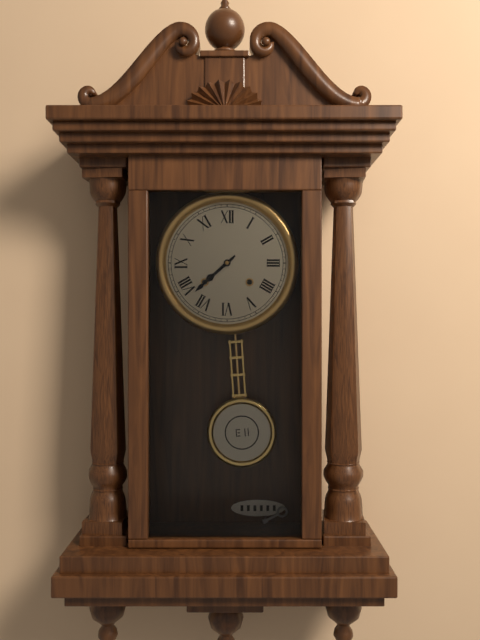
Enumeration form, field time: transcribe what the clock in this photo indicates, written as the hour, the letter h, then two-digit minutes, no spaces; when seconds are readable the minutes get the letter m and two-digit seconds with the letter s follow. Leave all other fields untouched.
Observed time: 7h38
